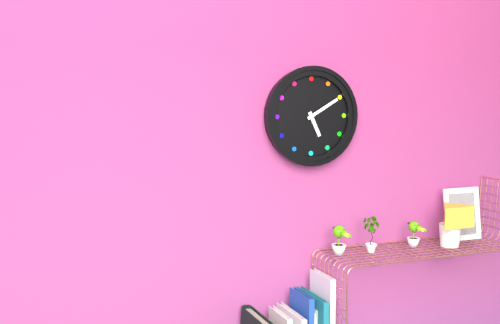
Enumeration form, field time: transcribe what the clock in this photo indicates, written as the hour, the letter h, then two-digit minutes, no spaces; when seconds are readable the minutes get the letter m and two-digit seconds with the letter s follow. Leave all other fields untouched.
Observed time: 5h10
